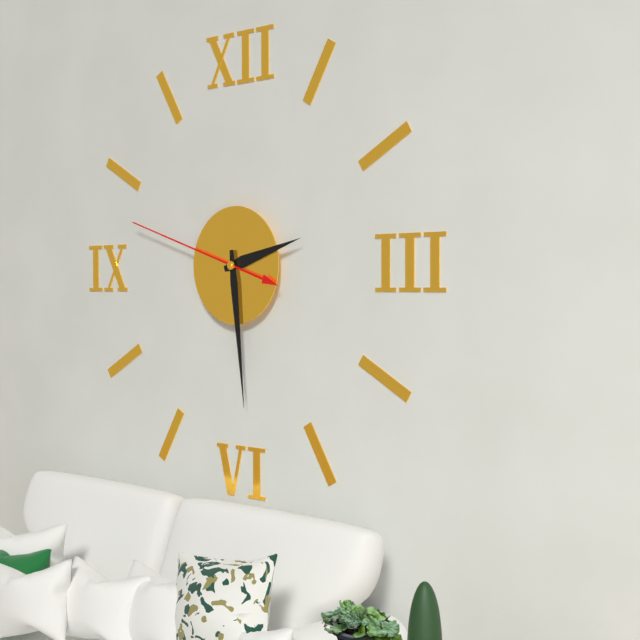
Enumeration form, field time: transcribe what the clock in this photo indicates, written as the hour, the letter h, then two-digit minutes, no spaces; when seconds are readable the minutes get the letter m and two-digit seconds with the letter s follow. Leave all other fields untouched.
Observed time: 2h29m48s
